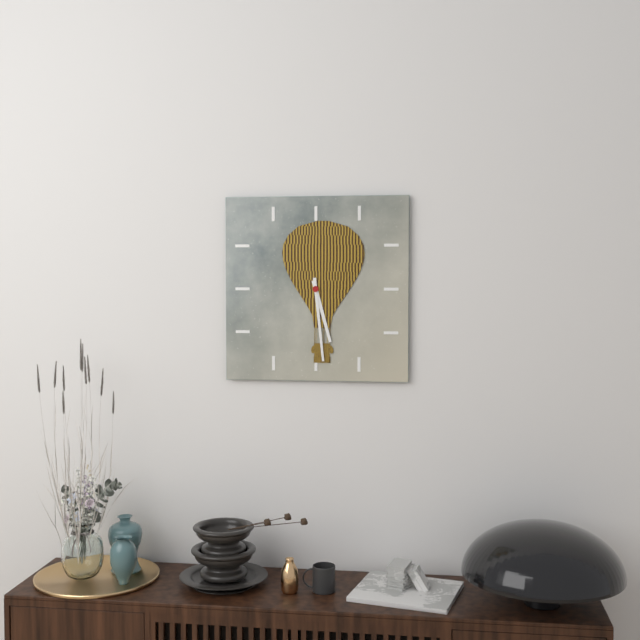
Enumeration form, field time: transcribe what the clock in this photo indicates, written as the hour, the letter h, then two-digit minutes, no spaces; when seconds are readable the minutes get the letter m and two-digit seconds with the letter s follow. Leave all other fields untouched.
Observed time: 5h29
